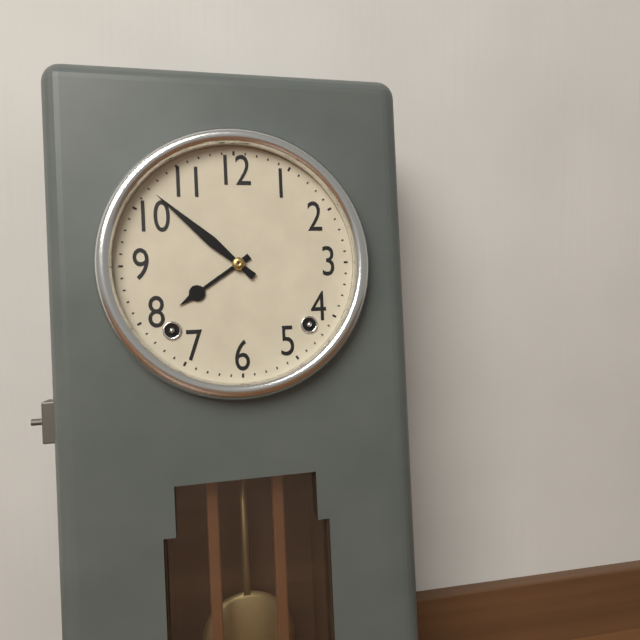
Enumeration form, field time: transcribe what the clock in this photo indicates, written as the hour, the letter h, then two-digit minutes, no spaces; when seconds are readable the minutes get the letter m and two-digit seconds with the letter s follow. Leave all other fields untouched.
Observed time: 7h52
